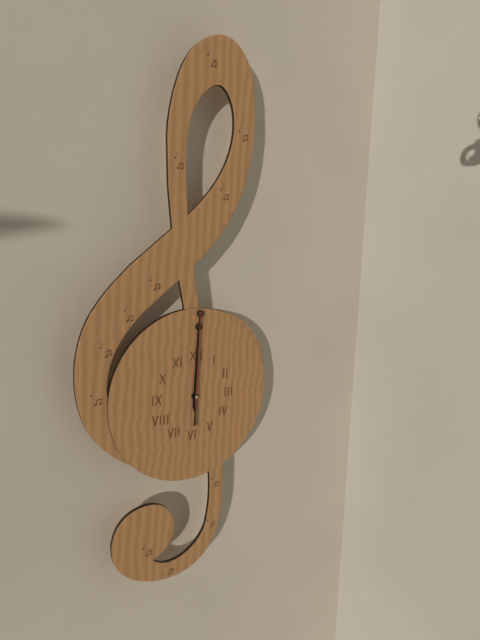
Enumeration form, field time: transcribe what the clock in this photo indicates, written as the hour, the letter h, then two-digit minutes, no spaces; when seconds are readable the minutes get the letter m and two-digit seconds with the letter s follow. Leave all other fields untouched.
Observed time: 12h00m00s
